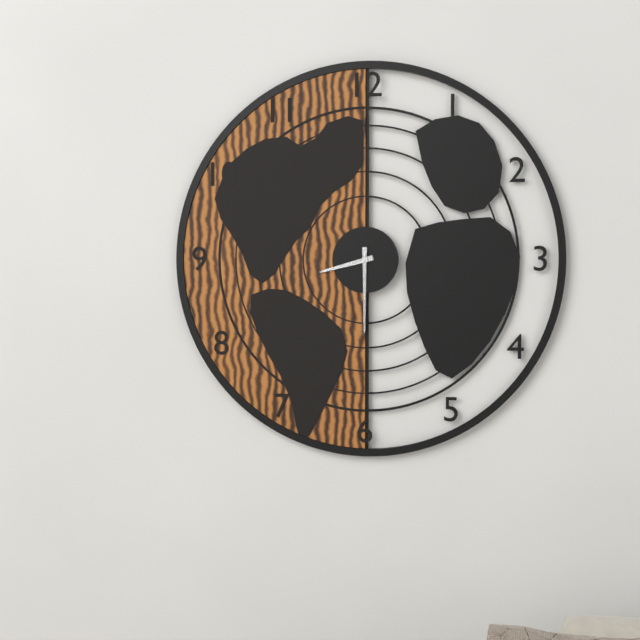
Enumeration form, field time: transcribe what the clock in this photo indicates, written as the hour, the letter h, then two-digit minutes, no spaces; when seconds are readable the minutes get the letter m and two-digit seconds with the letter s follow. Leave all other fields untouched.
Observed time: 8h30
